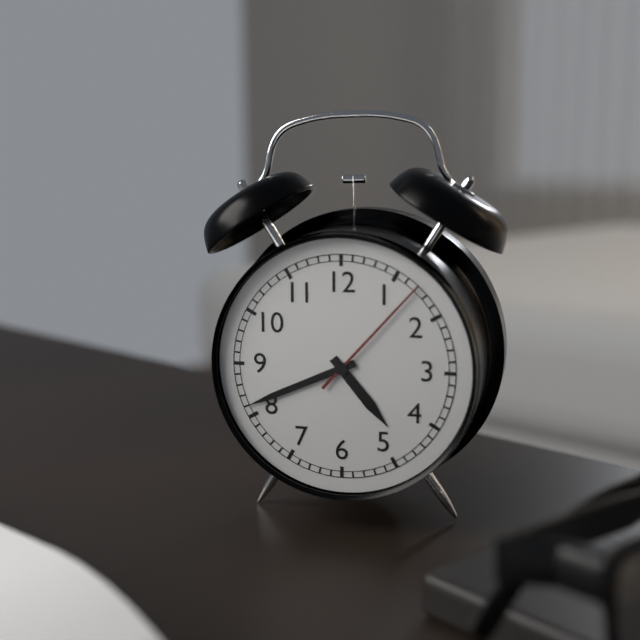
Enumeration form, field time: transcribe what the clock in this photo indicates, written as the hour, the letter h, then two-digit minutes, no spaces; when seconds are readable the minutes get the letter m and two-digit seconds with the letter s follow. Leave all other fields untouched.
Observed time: 4h41m07s
